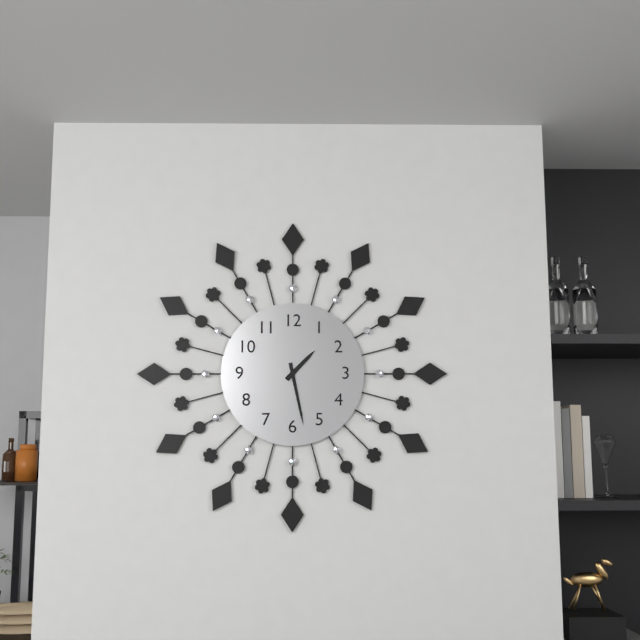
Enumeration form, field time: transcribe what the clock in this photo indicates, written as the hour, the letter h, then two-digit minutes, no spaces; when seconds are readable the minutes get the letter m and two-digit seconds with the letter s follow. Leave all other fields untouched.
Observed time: 1h28
